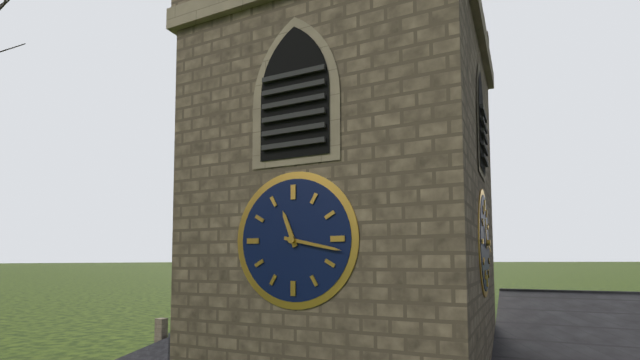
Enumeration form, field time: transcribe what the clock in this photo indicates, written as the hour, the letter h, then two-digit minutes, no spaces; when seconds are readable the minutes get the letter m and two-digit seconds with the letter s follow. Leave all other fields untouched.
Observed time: 11h17
